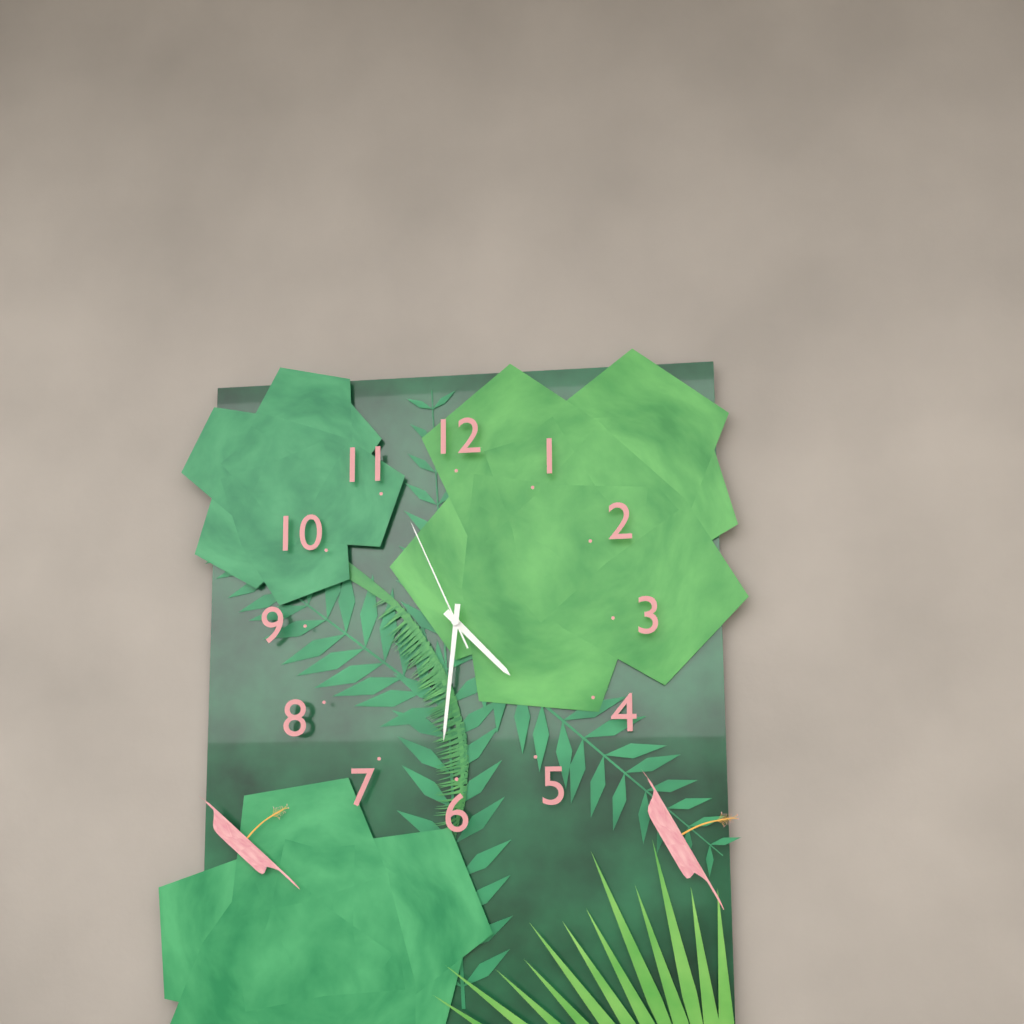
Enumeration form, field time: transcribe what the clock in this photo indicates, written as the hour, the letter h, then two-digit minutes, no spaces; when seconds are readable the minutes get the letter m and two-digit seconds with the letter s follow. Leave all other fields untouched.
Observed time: 4h31m56s
